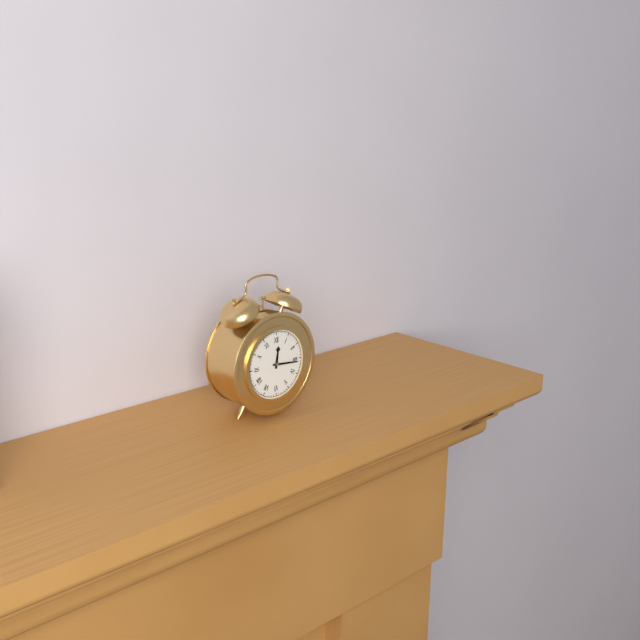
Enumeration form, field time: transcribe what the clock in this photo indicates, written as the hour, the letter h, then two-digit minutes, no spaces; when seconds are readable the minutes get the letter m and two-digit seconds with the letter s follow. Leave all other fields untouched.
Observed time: 12h16
